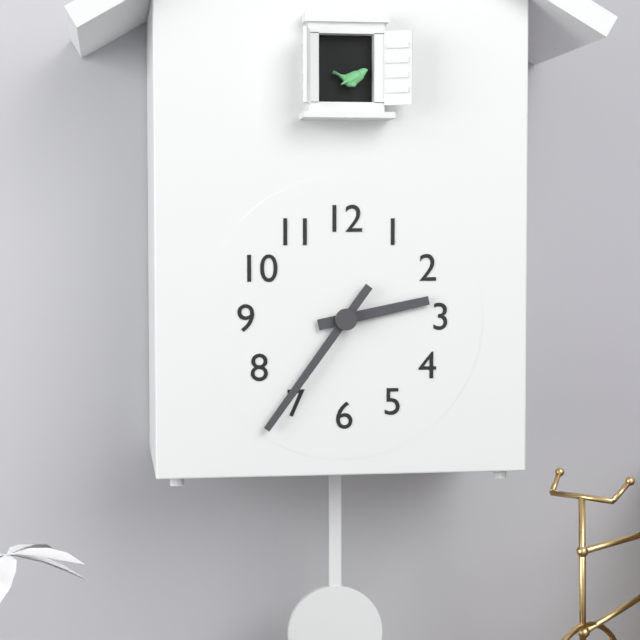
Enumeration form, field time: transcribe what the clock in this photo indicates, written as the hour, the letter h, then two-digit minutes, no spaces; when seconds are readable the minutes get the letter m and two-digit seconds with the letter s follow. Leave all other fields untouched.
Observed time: 2h36
